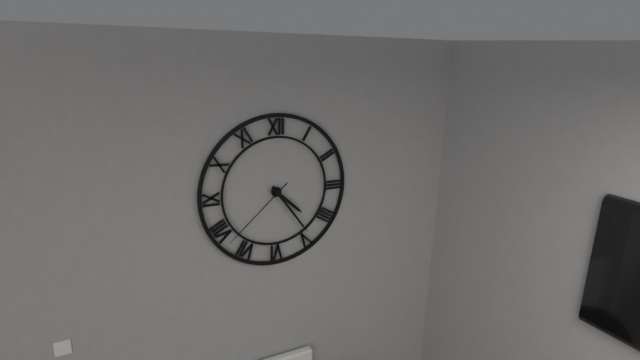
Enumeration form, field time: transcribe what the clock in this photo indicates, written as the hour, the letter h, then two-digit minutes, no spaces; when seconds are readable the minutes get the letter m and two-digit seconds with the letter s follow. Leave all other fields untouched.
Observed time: 4h24m38s
